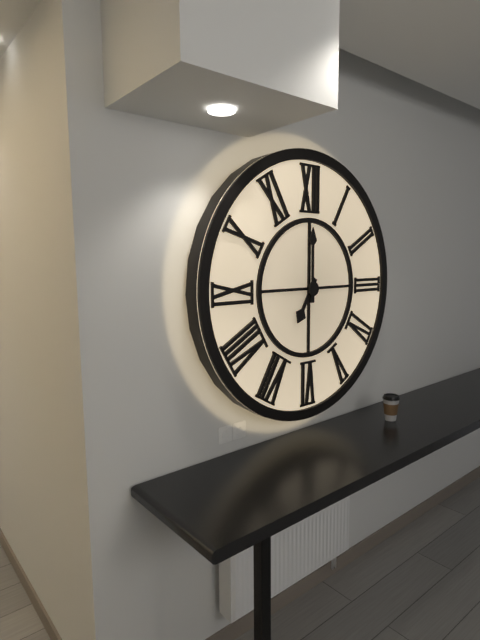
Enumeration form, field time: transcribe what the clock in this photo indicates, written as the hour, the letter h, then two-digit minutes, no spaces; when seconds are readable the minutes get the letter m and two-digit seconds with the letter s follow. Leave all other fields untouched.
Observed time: 7h00
